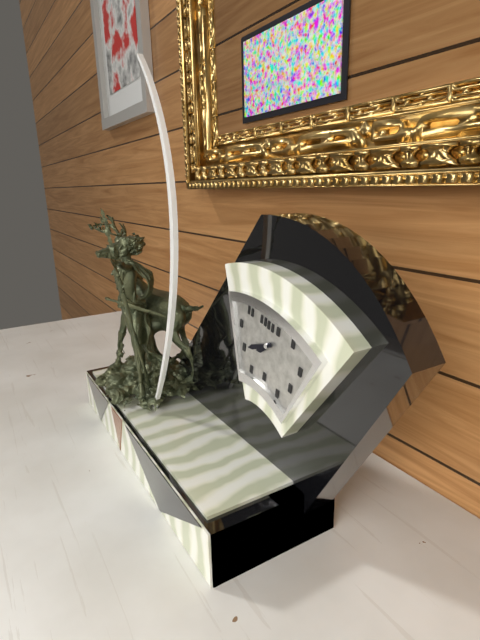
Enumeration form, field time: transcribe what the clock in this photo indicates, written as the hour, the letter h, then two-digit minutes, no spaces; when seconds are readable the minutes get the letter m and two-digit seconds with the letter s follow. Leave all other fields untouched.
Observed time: 7h40
